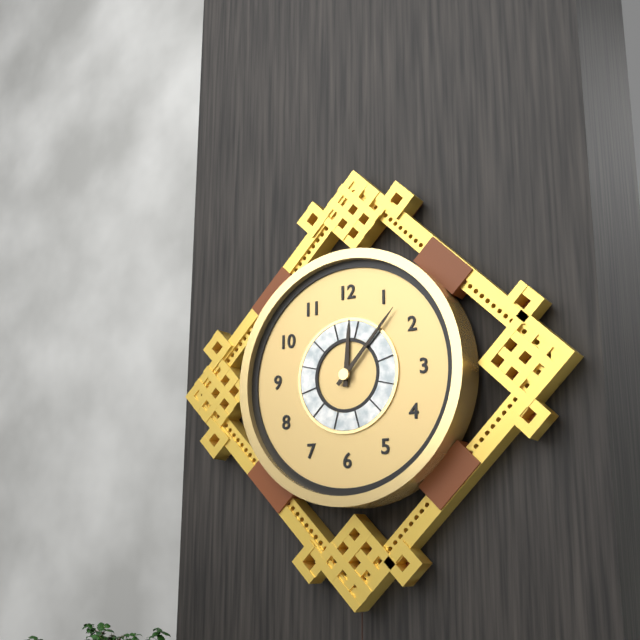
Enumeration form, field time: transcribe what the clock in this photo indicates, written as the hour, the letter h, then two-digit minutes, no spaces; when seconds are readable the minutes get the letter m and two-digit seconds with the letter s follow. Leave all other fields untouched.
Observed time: 12h07
